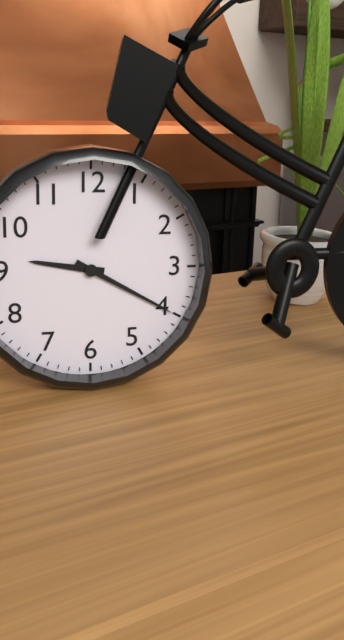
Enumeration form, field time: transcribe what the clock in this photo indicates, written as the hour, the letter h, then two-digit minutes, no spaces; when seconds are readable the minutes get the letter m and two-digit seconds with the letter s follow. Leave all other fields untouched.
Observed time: 9h20
